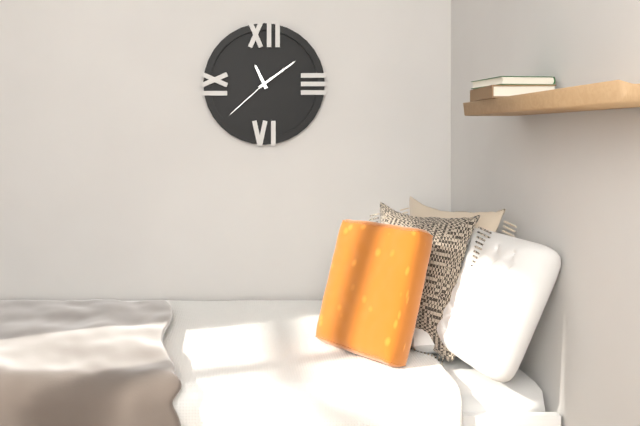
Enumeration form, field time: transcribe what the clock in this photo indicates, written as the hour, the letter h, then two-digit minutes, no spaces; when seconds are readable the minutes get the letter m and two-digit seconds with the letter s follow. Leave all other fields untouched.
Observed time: 11h09m38s
